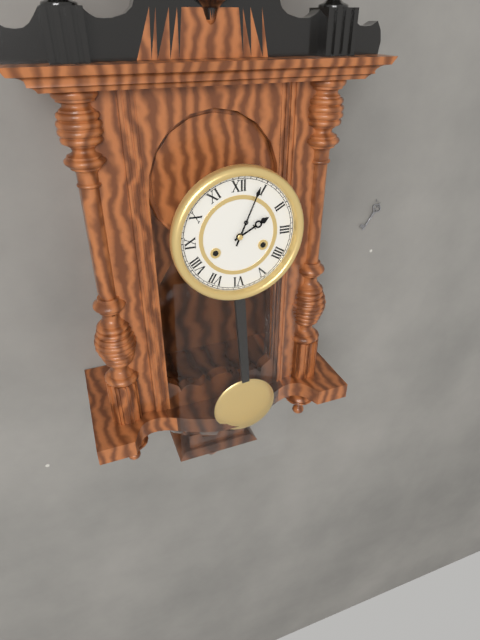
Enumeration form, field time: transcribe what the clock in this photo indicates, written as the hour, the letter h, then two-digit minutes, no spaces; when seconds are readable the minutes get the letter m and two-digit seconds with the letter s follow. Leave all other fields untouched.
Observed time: 2h04
